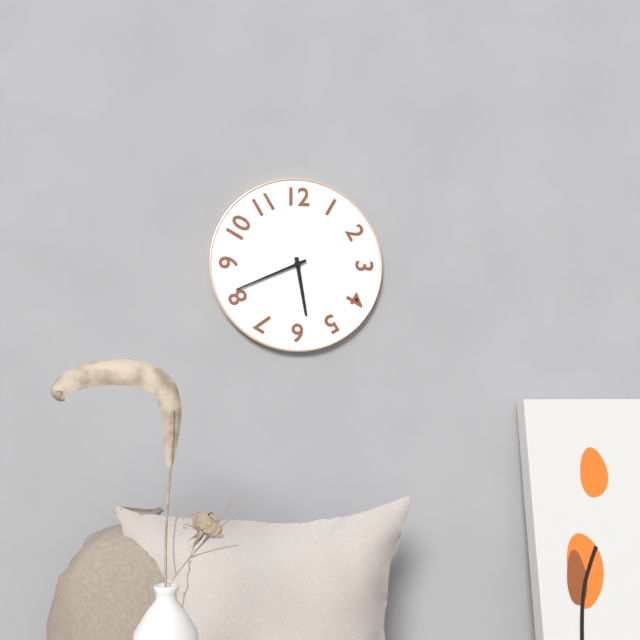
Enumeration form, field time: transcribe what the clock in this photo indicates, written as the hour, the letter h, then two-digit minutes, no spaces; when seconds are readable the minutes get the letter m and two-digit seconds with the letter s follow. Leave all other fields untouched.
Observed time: 5h41
